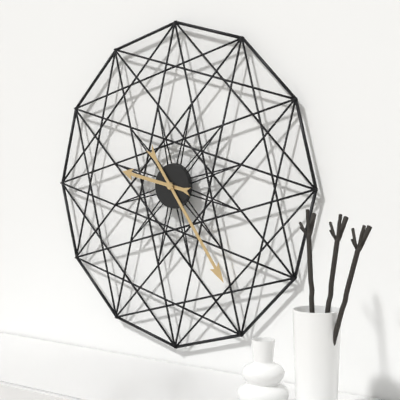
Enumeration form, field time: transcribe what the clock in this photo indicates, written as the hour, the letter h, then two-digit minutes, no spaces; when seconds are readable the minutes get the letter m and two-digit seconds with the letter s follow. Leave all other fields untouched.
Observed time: 9h24
